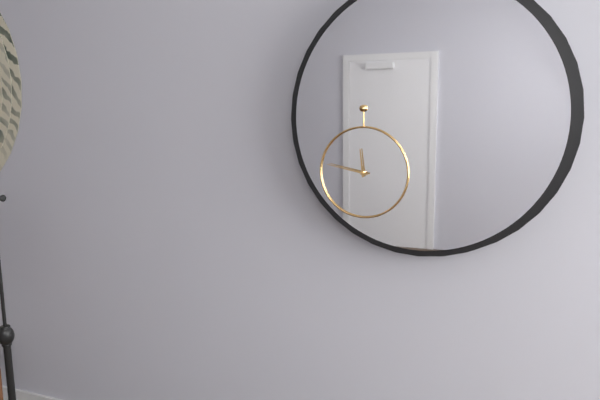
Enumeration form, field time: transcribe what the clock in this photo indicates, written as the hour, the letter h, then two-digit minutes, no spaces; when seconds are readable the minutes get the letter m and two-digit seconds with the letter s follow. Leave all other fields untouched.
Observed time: 11h47
